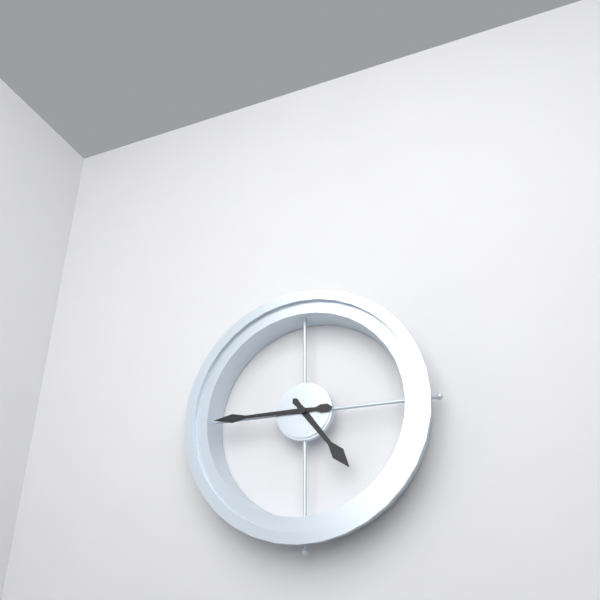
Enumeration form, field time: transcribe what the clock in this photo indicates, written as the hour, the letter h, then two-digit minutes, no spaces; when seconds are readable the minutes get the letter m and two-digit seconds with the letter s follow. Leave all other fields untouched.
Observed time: 4h45
